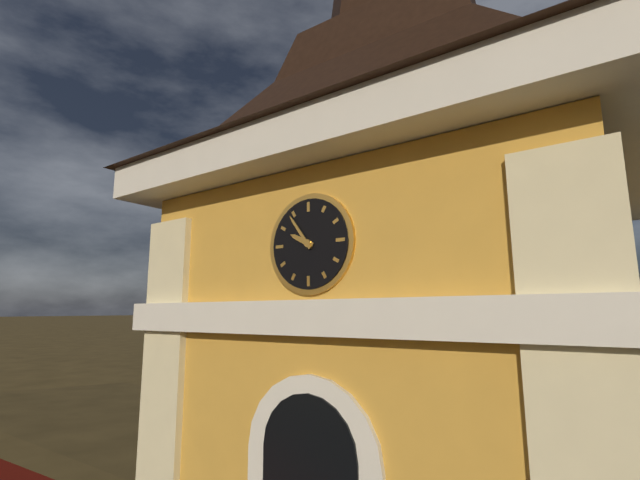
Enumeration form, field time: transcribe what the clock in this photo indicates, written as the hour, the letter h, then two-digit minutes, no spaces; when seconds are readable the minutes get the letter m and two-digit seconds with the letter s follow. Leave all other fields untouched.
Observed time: 9h54
